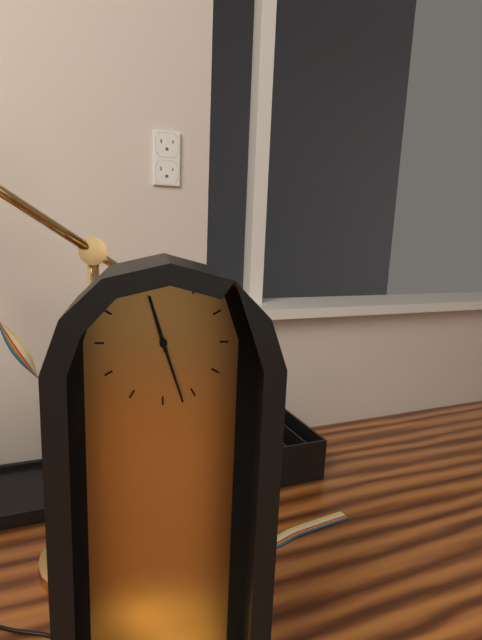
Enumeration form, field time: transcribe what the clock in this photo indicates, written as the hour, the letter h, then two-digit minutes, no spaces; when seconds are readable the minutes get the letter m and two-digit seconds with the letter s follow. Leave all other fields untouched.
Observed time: 11h27
